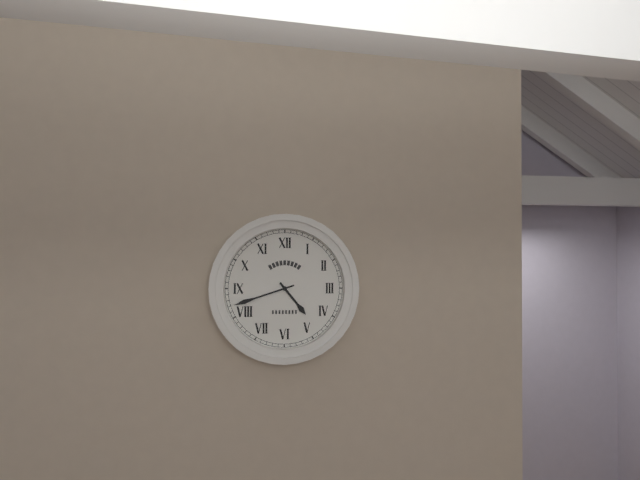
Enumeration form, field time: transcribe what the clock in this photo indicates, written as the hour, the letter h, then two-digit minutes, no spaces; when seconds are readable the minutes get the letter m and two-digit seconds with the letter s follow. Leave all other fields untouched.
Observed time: 4h42
